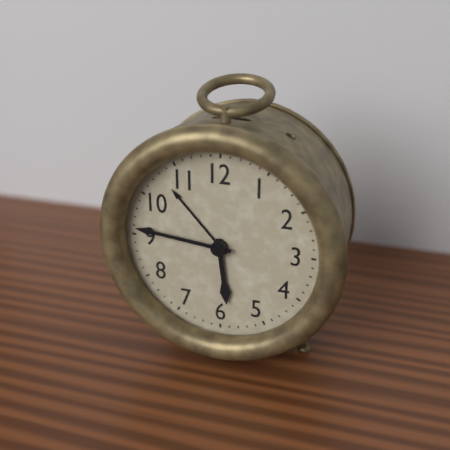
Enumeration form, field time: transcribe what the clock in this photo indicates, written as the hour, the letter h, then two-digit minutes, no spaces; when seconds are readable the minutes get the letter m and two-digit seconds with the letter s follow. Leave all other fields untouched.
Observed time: 5h46
